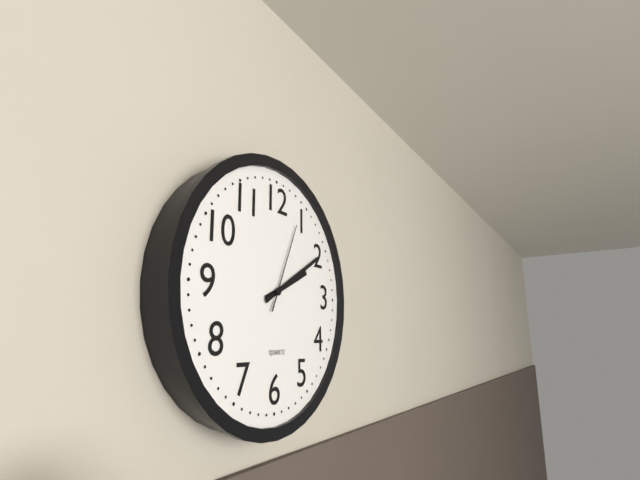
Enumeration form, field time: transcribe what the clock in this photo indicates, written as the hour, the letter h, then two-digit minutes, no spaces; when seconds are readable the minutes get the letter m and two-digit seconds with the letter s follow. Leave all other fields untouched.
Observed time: 2h10m04s
